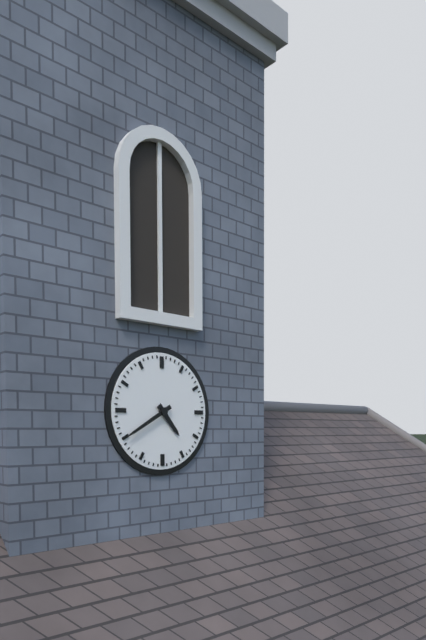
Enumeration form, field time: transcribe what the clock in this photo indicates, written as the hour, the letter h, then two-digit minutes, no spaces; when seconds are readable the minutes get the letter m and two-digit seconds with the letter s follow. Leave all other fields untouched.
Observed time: 4h40
